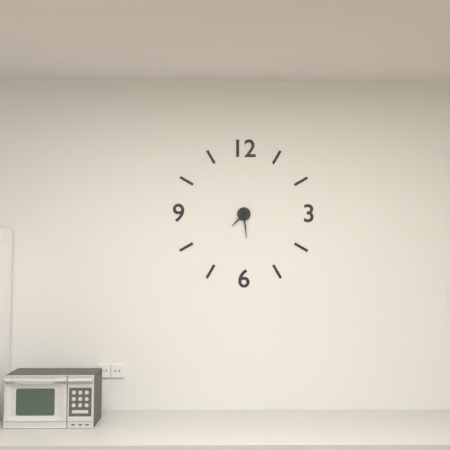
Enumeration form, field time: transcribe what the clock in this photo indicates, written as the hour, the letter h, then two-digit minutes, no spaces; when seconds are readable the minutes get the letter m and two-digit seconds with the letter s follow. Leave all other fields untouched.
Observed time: 7h29
